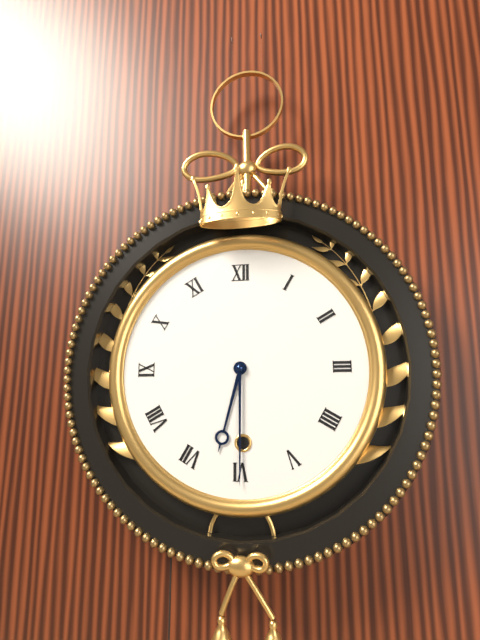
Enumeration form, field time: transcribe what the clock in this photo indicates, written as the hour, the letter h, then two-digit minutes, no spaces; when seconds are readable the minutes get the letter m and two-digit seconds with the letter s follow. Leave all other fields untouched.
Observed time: 6h30
